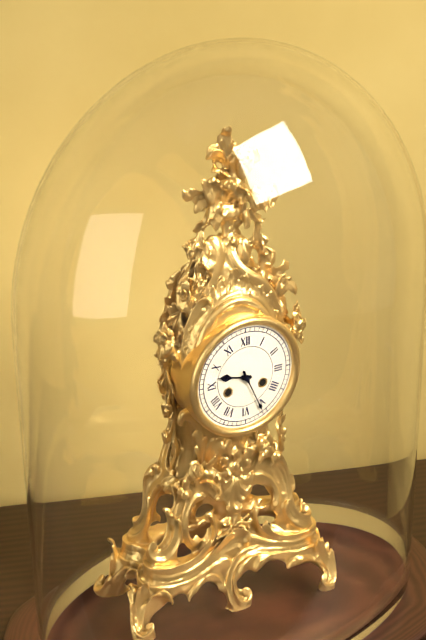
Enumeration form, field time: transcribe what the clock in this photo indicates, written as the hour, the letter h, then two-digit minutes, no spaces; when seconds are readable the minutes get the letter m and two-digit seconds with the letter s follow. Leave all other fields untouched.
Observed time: 9h26
